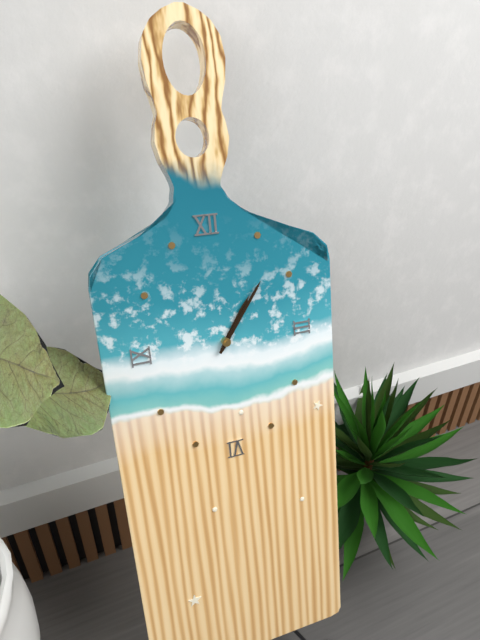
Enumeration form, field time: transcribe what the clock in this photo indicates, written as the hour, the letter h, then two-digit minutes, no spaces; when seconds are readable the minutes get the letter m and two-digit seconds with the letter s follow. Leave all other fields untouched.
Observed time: 1h06
